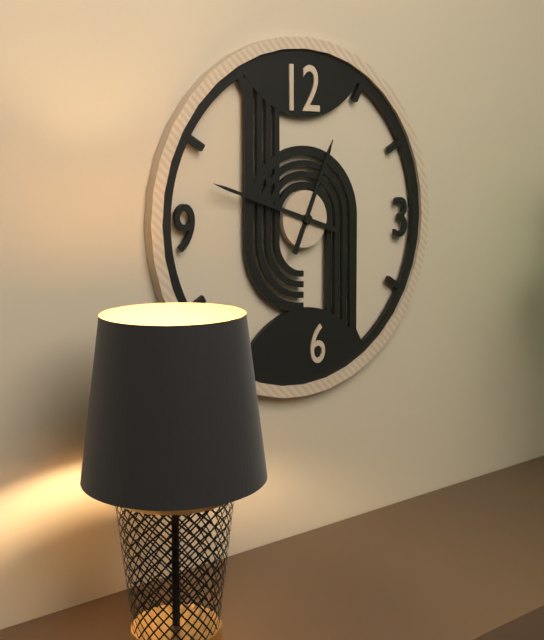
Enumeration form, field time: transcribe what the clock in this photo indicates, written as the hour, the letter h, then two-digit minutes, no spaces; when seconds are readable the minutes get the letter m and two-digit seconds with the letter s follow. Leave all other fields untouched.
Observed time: 12h48
